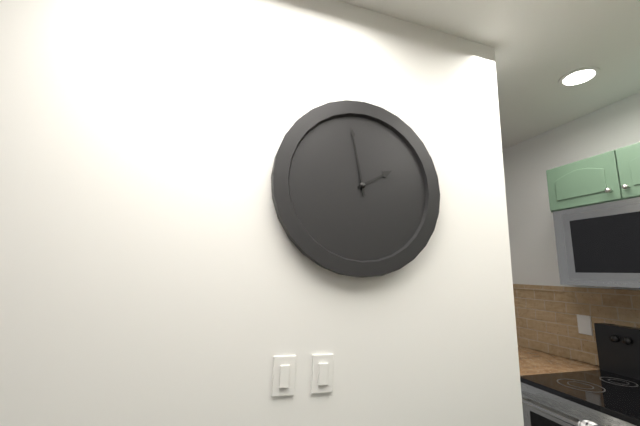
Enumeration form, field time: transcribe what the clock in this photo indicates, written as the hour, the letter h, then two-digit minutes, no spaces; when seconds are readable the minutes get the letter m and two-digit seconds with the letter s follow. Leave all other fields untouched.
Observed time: 1h58
